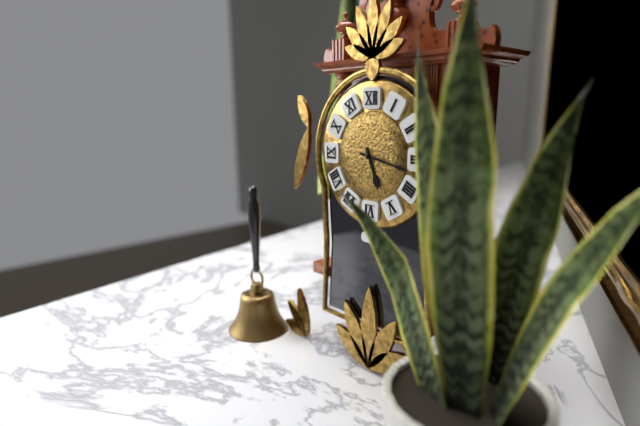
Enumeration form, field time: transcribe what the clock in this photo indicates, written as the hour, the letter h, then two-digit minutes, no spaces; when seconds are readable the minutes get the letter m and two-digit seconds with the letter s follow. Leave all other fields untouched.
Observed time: 5h17
